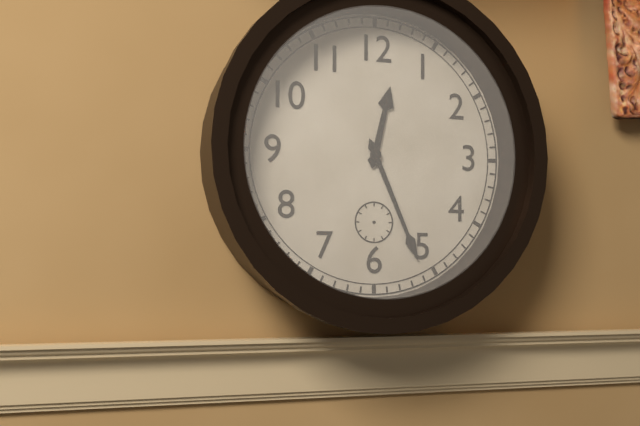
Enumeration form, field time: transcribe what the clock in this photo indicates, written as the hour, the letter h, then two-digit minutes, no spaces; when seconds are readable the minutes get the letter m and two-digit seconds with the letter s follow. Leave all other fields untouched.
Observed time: 12h26
